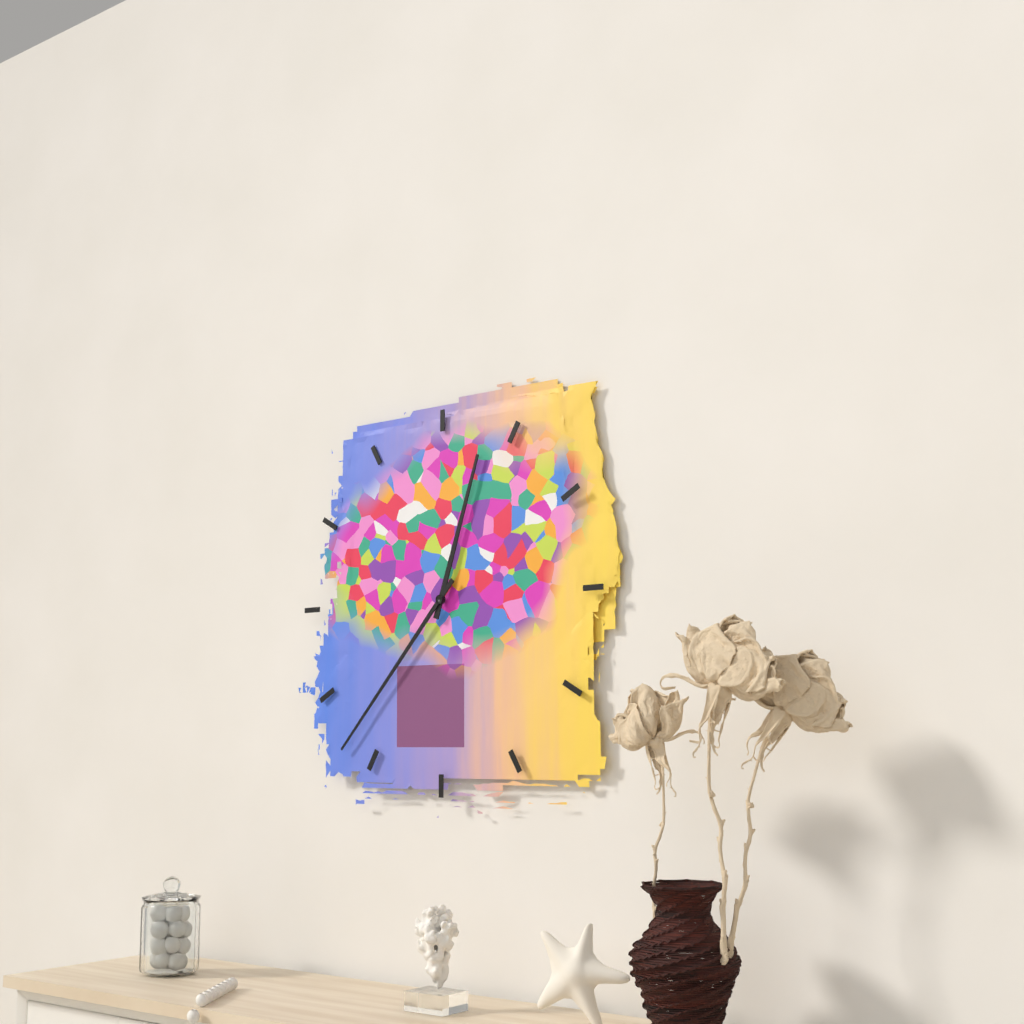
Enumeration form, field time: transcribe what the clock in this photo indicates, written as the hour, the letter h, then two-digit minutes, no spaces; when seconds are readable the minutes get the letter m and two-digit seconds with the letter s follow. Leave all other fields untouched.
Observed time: 12h37
